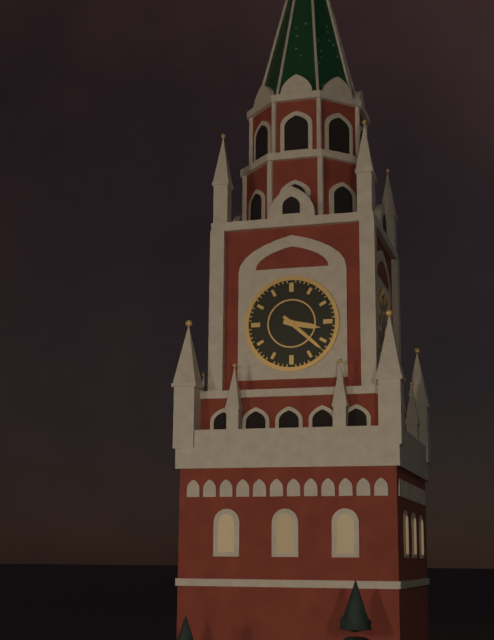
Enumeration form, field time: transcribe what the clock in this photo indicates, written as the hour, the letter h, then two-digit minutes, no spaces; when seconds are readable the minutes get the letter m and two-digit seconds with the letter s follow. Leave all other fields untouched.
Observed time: 3h22
